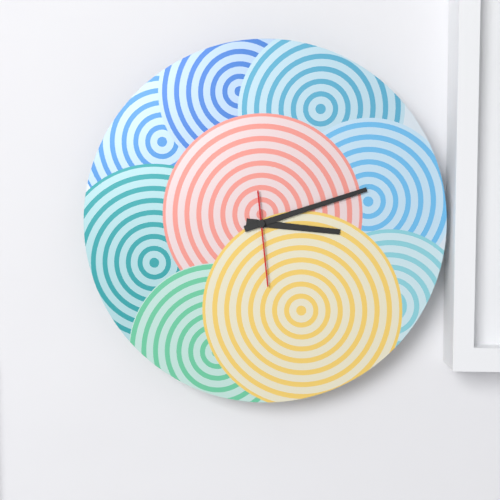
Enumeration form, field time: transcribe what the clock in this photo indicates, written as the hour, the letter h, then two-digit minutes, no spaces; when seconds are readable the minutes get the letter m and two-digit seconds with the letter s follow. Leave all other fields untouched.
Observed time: 3h12m29s
